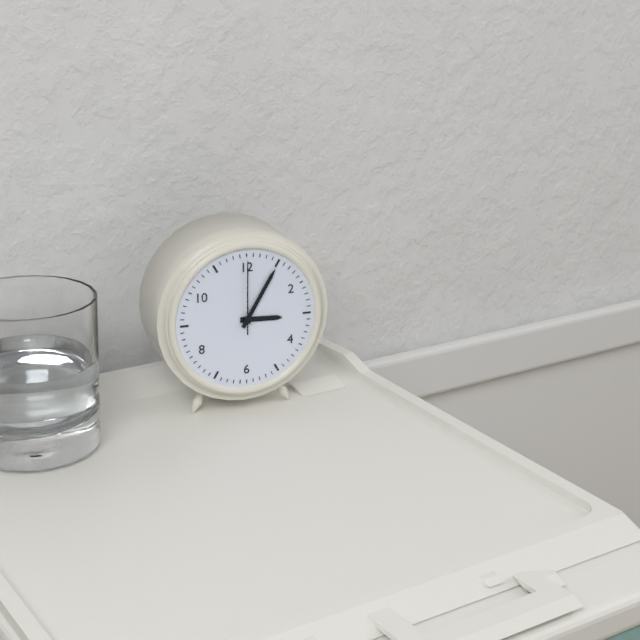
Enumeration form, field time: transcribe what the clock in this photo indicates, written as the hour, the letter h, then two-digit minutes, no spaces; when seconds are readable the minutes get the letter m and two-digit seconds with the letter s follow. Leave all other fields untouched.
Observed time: 3h05m00s
